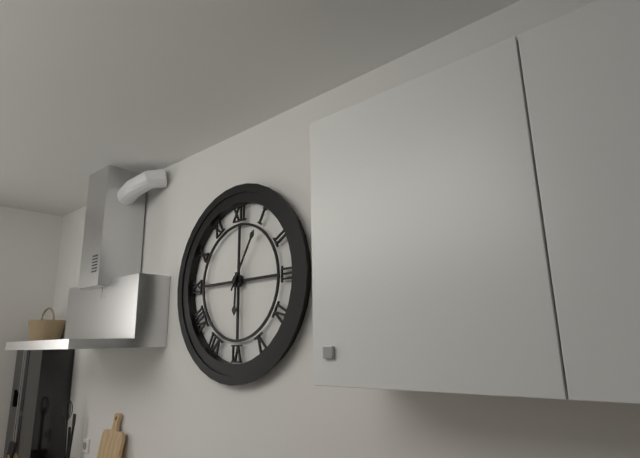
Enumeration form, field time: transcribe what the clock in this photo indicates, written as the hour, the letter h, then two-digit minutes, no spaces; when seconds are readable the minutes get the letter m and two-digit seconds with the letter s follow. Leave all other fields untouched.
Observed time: 6h05
